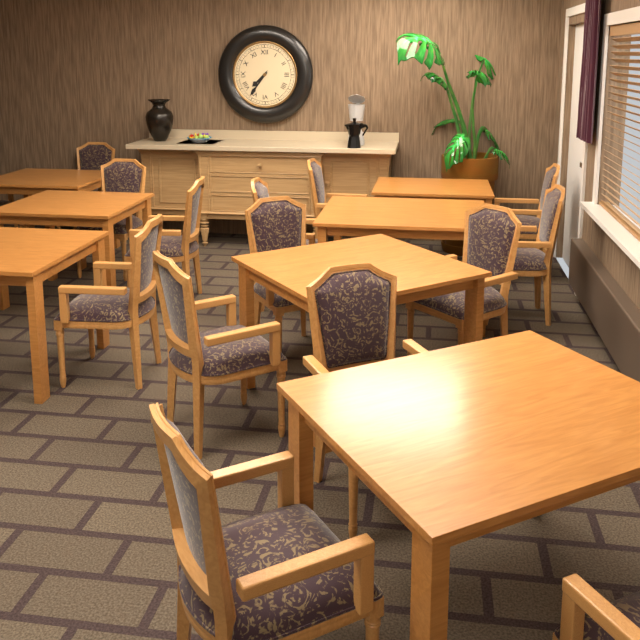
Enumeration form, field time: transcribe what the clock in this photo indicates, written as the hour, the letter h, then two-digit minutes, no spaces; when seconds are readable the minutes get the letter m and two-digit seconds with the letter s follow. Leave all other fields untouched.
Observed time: 7h36
